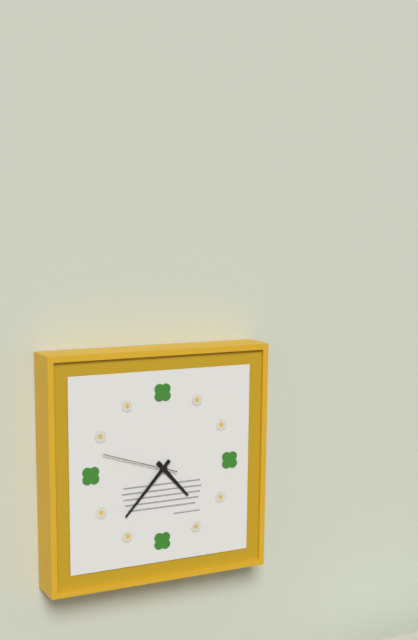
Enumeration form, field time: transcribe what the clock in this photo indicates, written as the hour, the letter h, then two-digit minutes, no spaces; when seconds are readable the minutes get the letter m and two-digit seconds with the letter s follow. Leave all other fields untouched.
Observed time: 4h37m48s
